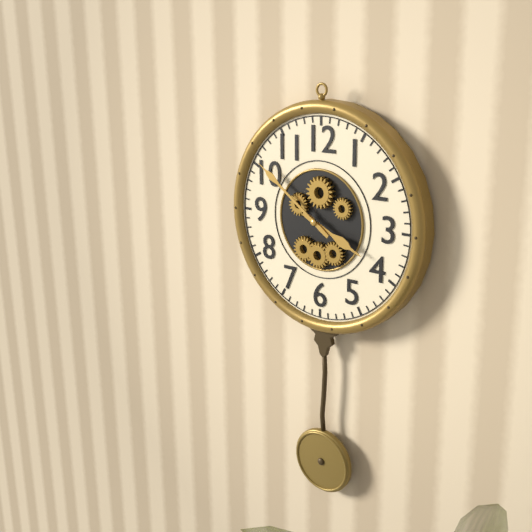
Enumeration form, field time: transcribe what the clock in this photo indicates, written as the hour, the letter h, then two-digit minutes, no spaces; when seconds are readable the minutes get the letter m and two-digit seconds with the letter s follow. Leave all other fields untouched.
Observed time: 3h51
